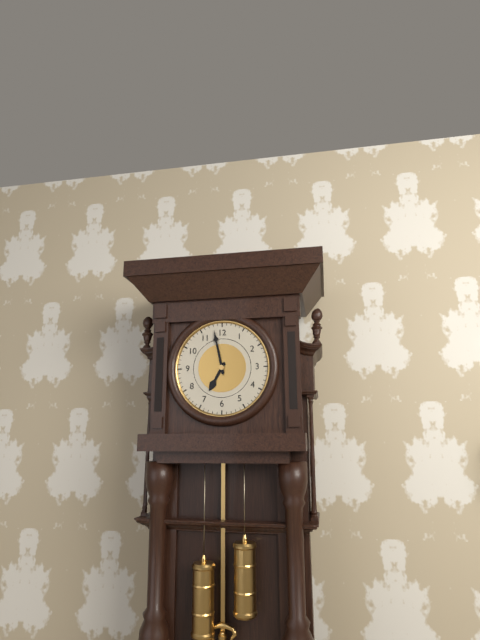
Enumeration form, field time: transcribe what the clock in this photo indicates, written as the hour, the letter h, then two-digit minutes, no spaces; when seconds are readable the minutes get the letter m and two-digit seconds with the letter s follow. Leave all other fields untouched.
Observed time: 6h58
